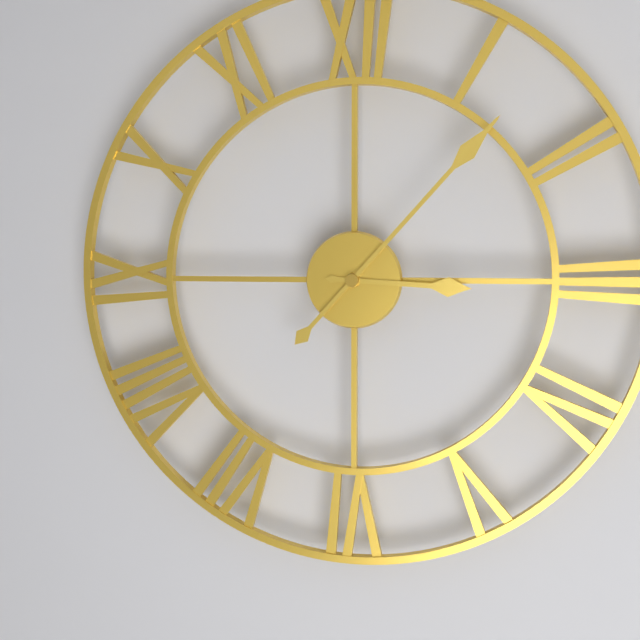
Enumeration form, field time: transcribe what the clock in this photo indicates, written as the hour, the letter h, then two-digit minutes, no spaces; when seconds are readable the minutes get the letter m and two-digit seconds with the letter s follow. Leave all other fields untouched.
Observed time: 3h07
